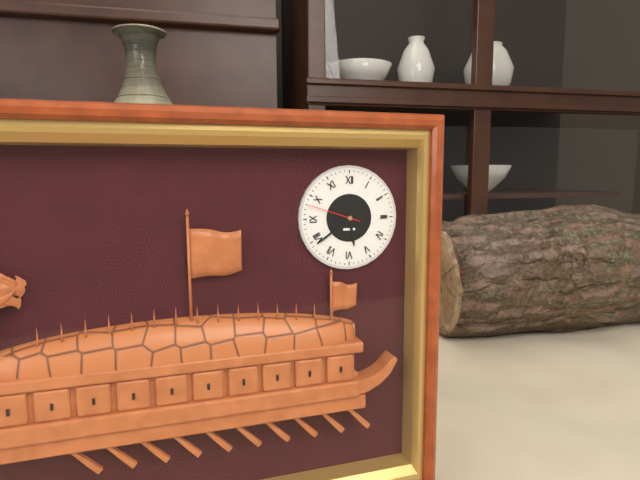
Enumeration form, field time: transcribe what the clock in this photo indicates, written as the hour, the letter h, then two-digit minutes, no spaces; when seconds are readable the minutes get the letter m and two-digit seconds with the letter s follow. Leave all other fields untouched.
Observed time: 5h39m48s
